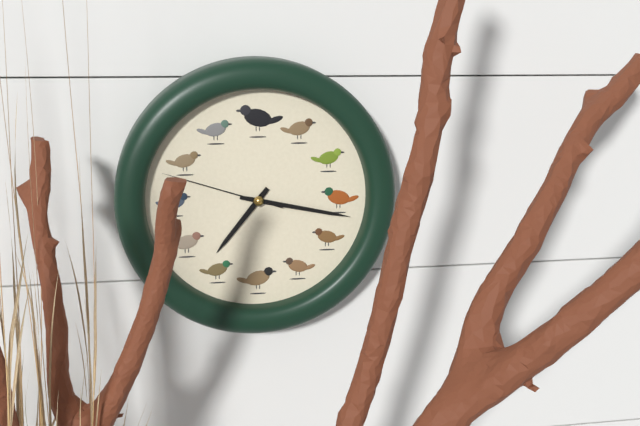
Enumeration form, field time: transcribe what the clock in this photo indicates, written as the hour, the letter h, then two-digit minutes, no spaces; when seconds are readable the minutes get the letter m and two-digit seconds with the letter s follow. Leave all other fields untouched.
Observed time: 7h17m48s
